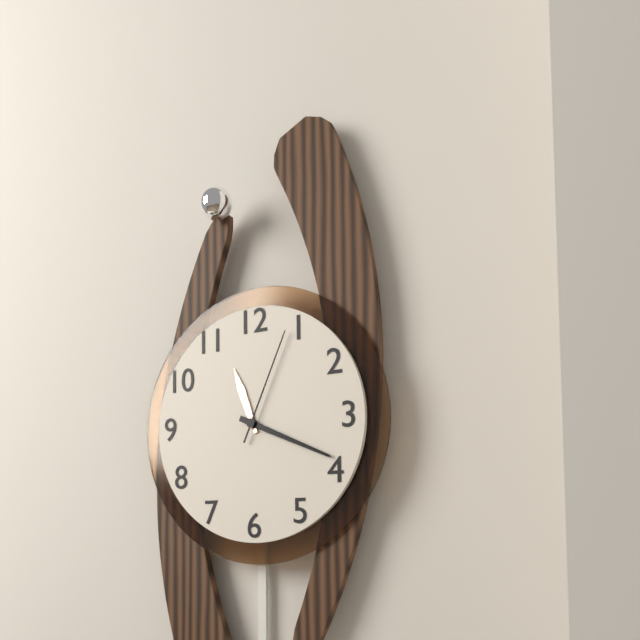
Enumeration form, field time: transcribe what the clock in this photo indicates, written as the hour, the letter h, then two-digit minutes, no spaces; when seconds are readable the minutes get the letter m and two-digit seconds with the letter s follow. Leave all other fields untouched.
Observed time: 11h19m04s
